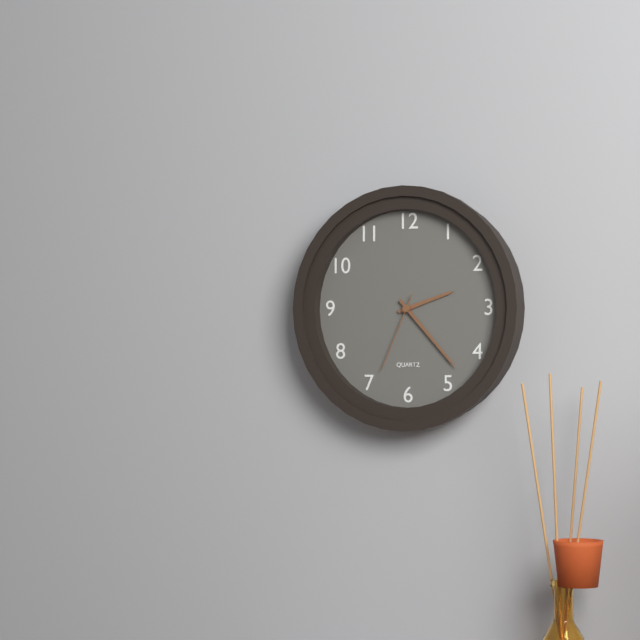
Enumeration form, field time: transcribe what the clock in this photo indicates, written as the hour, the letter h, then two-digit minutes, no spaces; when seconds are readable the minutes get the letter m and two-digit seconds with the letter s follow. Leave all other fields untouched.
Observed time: 2h23m34s
